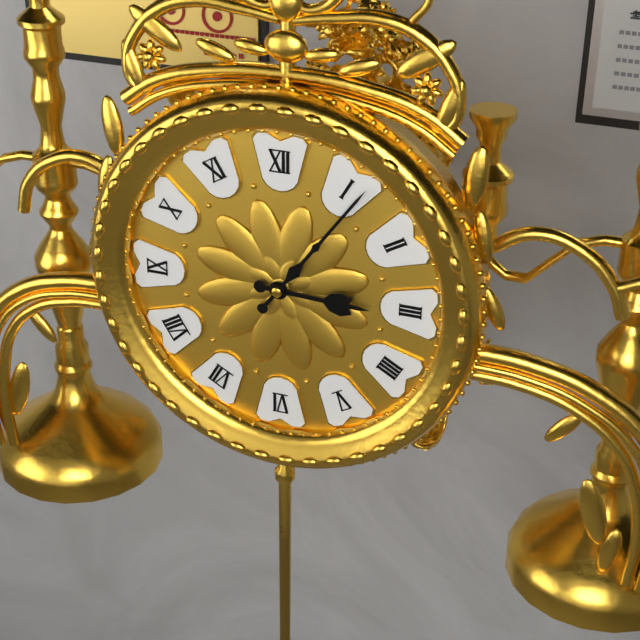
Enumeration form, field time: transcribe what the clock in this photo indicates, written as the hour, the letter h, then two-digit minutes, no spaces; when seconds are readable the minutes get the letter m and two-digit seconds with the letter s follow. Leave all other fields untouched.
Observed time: 3h06
